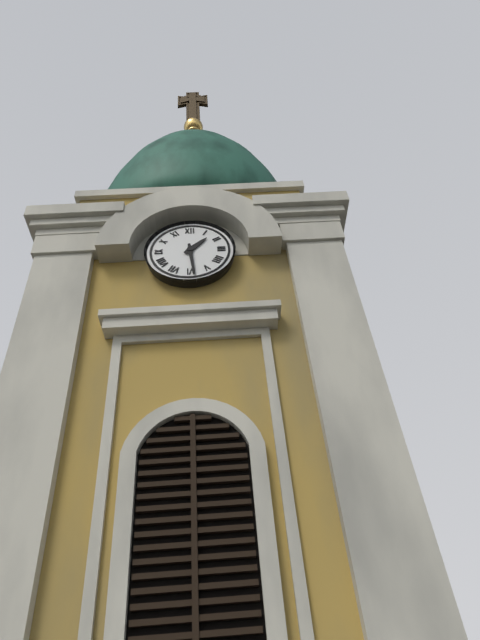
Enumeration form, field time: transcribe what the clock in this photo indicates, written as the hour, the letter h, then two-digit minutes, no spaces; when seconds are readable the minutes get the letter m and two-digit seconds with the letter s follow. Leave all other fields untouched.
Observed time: 1h29
